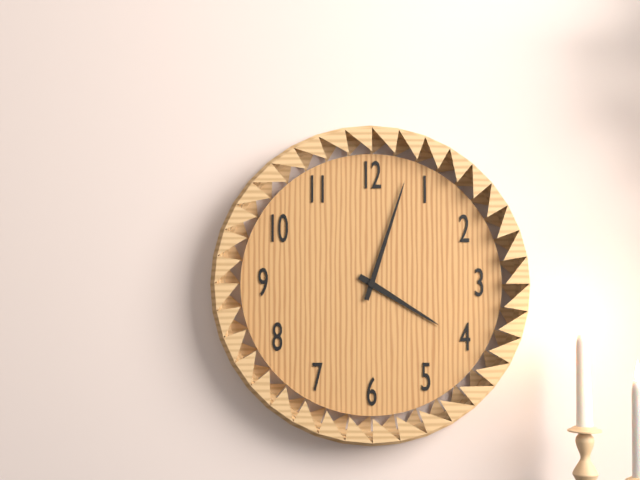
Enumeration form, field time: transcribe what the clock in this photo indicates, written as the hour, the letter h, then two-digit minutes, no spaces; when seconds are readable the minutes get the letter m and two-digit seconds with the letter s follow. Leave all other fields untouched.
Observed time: 4h03
